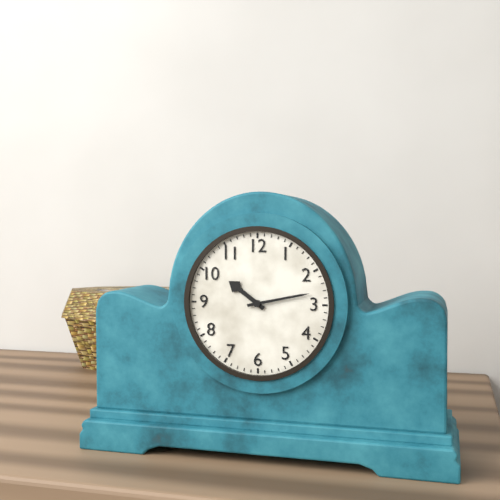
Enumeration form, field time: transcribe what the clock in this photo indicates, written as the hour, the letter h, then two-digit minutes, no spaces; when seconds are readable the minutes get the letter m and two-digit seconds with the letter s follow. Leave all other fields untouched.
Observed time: 10h13
